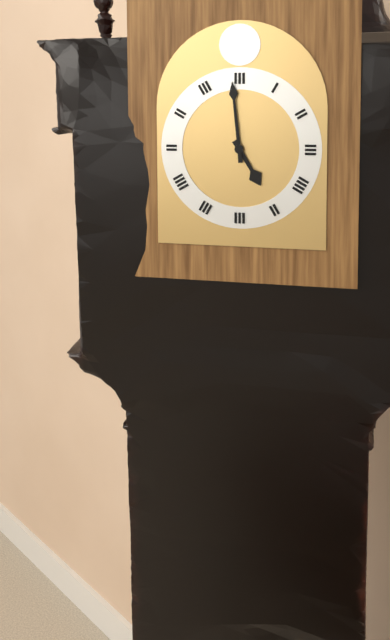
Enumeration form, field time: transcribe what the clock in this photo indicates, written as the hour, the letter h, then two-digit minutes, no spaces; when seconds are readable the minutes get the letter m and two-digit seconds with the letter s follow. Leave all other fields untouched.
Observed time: 4h59
